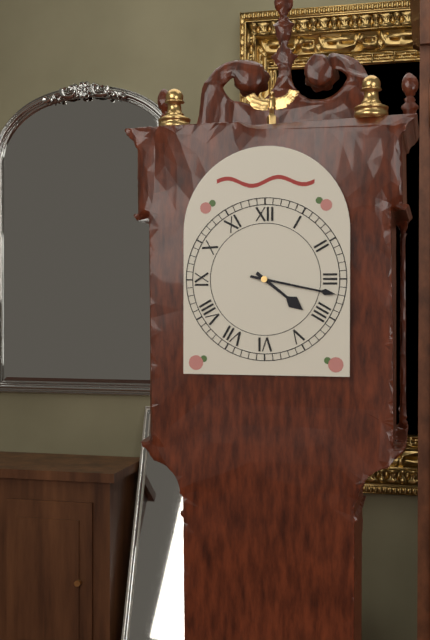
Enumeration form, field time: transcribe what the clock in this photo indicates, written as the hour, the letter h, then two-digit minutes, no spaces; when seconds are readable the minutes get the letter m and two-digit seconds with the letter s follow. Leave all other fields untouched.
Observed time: 4h17
